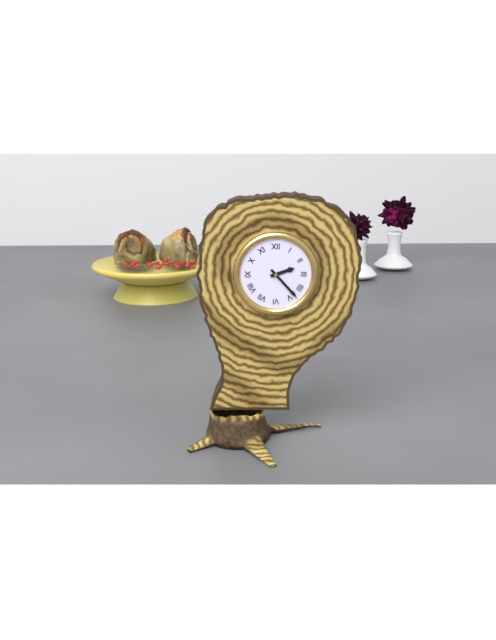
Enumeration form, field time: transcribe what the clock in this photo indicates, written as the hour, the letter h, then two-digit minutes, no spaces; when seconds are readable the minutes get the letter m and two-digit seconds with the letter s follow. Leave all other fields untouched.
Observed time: 2h23
